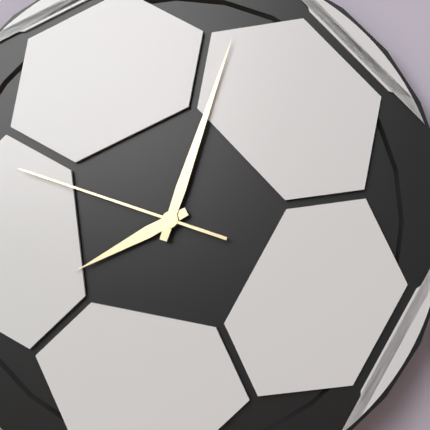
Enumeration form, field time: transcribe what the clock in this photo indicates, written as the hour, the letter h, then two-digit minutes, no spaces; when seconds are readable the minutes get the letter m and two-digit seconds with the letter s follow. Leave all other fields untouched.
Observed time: 8h03m48s
